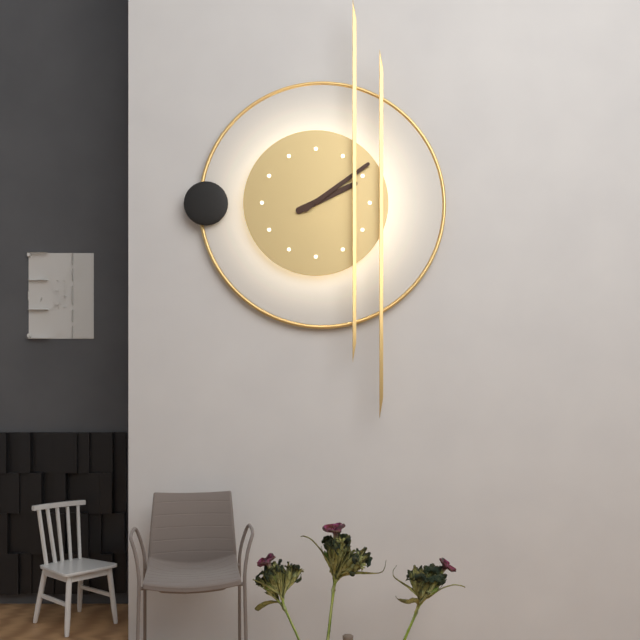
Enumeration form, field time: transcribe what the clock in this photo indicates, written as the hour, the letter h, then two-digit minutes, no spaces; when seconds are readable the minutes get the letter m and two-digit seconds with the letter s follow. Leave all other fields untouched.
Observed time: 2h09
